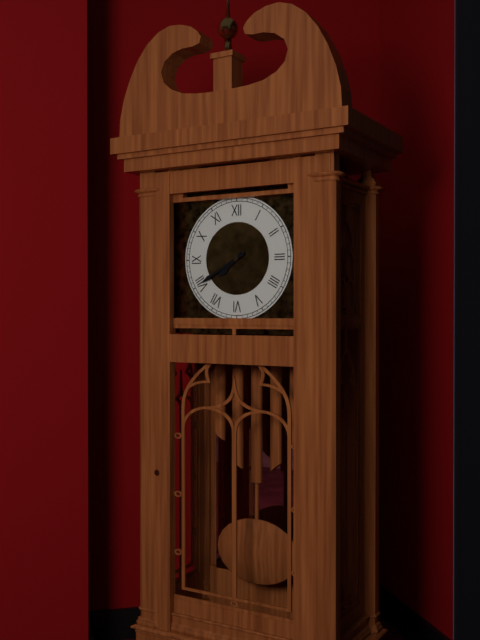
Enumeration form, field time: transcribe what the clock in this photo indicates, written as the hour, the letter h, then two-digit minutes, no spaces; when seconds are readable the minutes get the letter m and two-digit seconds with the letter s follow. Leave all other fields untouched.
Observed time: 7h40
